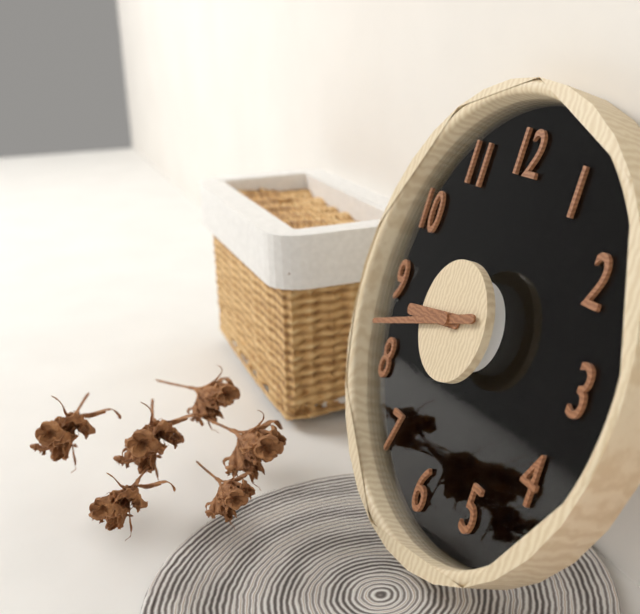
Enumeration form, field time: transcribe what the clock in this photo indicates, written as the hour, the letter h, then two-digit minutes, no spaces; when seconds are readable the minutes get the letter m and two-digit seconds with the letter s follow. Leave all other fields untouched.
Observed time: 8h42
